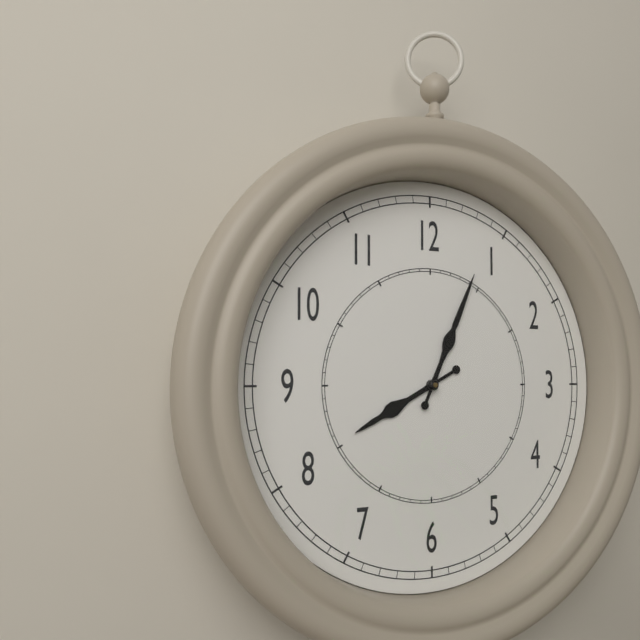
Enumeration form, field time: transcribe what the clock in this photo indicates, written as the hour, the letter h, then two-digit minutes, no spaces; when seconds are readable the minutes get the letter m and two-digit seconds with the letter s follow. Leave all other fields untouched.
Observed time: 8h04
